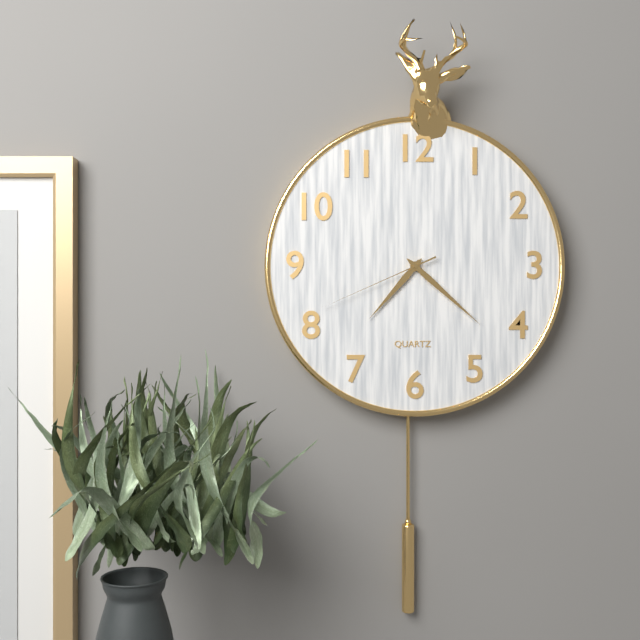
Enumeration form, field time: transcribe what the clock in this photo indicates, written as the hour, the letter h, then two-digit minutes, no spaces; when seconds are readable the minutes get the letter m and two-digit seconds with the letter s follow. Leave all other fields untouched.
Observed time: 7h22m41s
